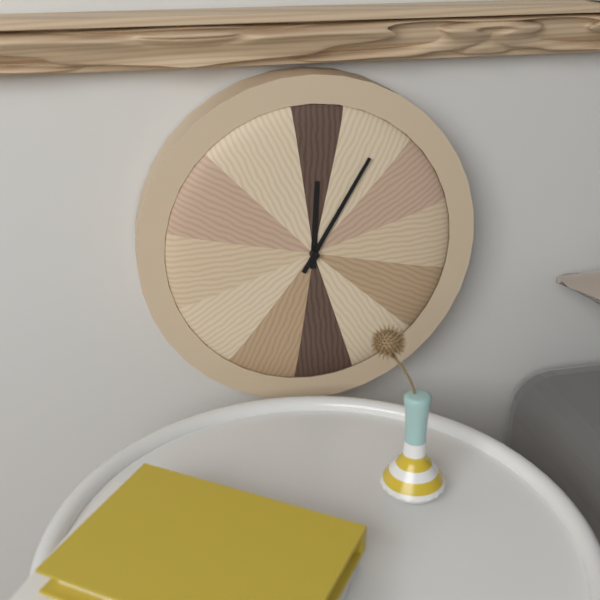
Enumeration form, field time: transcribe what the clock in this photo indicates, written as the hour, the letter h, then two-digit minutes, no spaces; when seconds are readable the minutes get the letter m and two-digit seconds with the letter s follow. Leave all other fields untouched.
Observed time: 12h05
